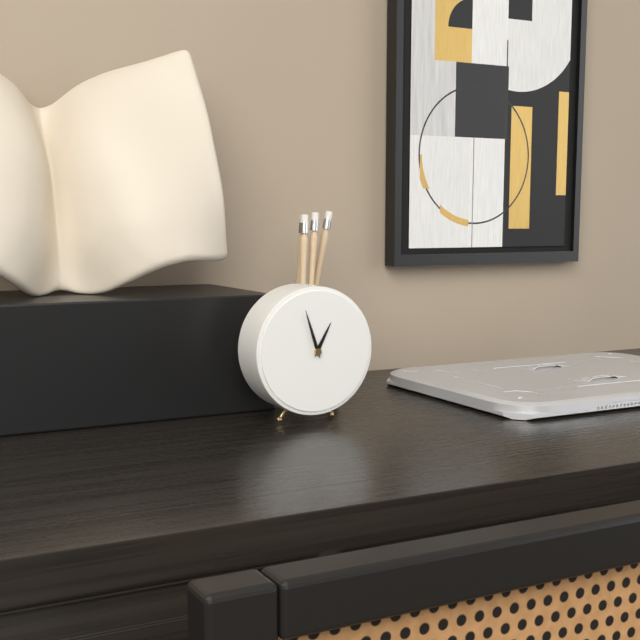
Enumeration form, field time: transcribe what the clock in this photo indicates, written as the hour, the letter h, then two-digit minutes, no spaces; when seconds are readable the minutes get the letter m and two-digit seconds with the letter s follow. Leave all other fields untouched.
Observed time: 12h57
